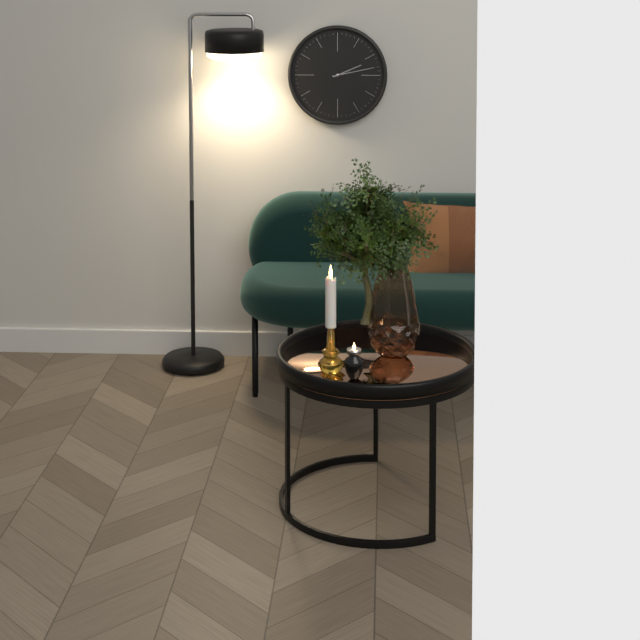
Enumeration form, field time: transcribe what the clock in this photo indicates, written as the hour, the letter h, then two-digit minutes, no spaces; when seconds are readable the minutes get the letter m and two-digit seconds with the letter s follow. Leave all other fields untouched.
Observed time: 2h13
